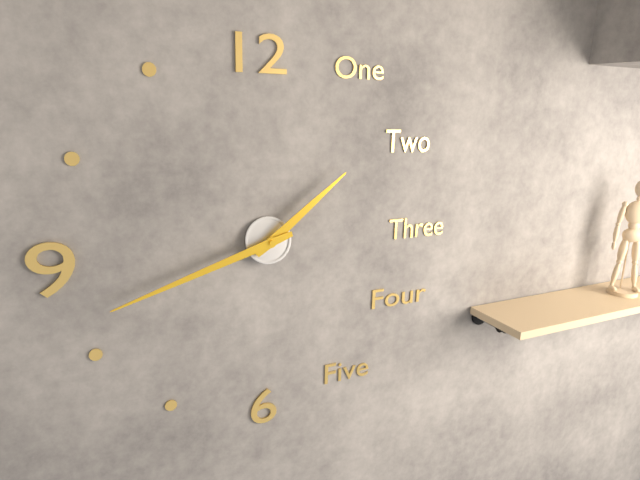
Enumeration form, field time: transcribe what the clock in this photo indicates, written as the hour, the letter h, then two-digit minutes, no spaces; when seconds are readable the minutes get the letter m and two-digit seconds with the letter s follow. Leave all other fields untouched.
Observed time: 1h42
